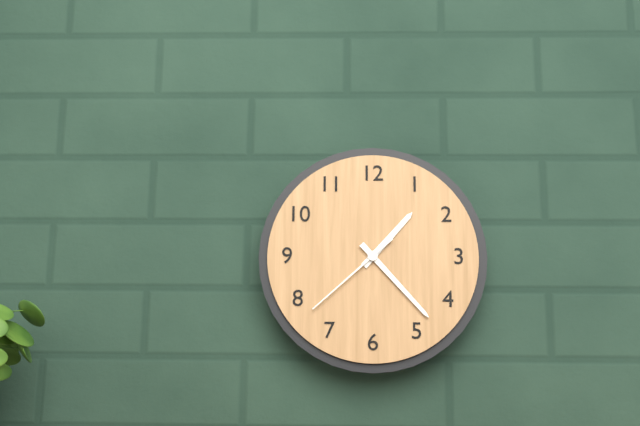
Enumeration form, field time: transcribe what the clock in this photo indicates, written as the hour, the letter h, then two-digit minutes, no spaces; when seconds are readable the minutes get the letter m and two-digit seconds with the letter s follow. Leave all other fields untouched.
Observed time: 1h23m38s
